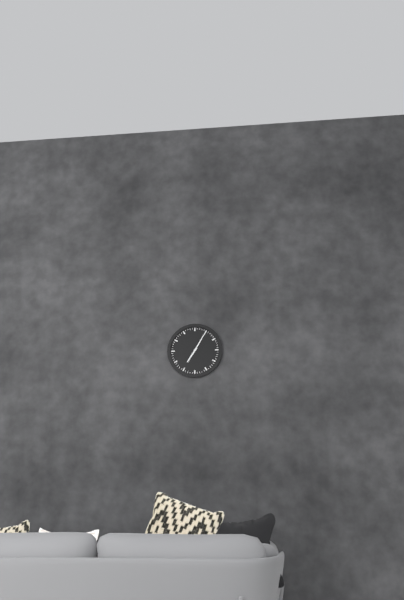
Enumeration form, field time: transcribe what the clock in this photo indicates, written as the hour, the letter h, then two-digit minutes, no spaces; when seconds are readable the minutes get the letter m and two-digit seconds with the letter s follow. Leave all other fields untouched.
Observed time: 7h05
